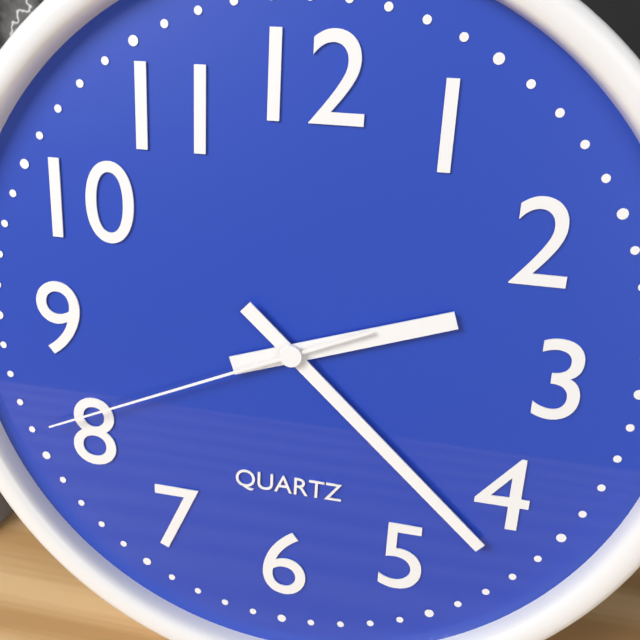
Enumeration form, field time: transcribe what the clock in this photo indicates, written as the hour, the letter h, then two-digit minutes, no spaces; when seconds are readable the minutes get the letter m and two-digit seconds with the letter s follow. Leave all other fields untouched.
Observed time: 2h22m41s
